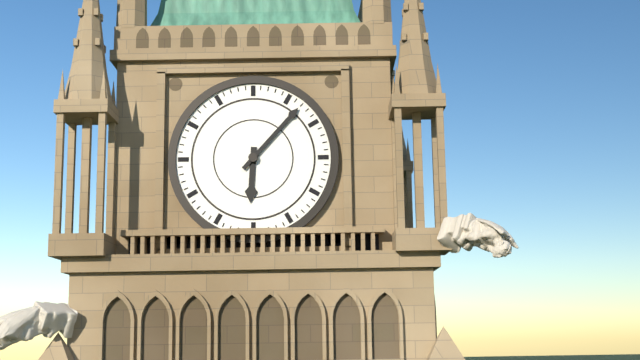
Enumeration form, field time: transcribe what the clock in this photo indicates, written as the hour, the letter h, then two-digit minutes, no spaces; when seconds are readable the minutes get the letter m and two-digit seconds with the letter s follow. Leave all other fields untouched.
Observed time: 6h07
